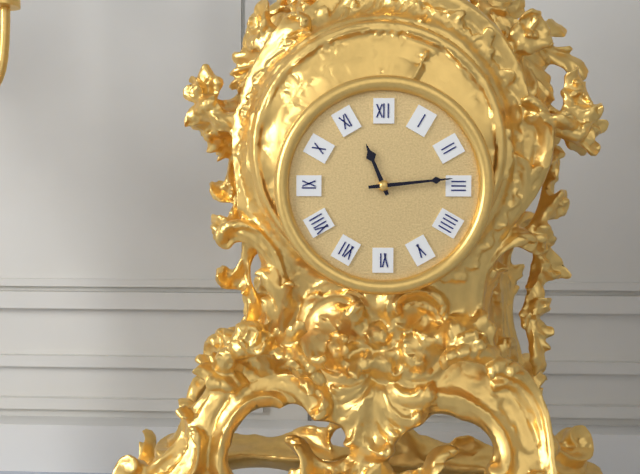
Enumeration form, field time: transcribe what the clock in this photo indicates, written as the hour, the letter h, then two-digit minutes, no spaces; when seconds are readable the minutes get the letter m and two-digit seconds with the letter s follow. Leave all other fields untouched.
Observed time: 11h14
